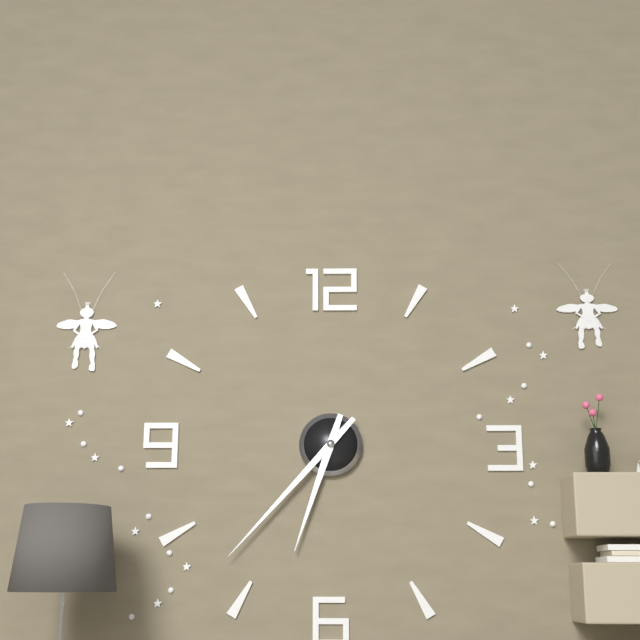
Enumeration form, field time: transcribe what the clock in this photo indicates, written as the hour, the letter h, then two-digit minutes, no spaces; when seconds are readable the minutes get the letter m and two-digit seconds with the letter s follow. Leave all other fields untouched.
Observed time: 6h37
